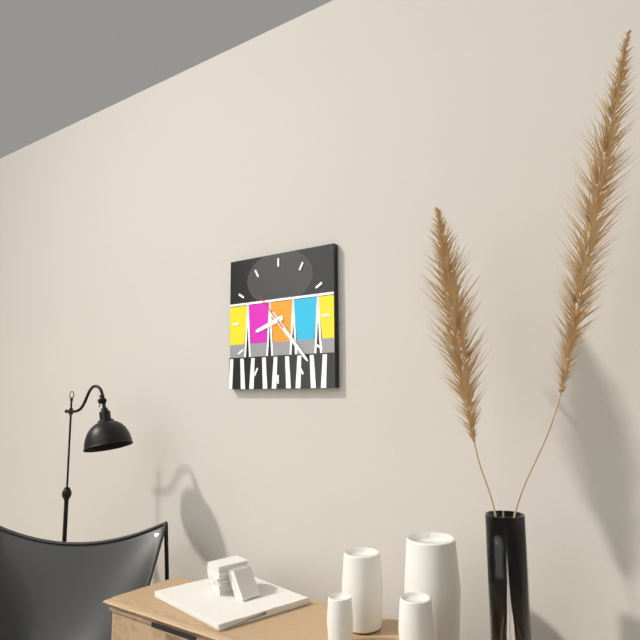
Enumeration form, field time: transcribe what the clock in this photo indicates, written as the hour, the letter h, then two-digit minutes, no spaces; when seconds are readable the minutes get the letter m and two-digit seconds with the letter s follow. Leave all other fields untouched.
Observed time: 8h23
